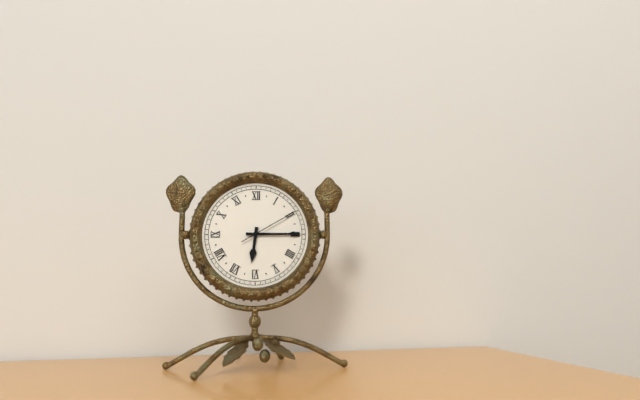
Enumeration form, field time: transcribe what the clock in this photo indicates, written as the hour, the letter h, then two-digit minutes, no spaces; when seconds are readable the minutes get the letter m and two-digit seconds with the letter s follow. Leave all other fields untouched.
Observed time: 6h15m10s
